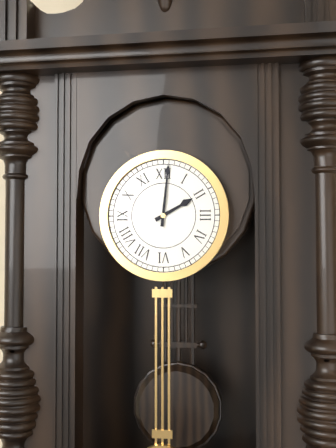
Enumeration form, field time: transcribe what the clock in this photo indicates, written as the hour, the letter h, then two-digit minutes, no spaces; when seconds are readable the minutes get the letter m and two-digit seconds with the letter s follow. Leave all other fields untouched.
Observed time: 2h01
